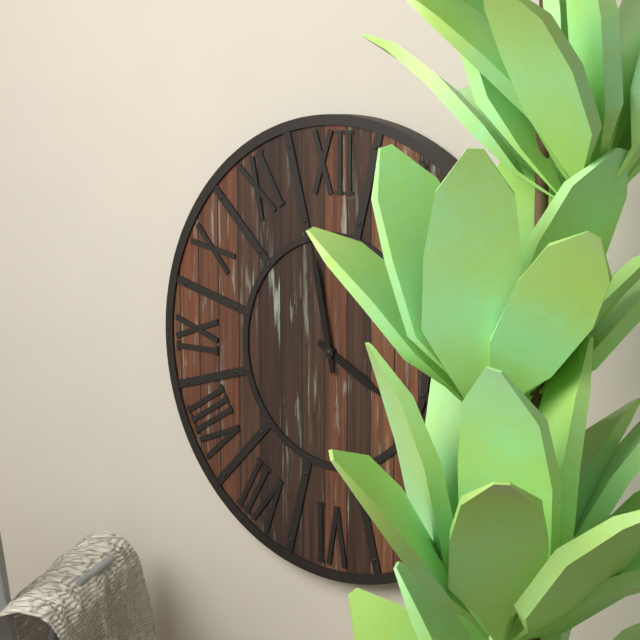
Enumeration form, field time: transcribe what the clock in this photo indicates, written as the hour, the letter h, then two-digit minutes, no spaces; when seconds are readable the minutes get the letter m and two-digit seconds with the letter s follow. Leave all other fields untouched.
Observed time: 3h58
